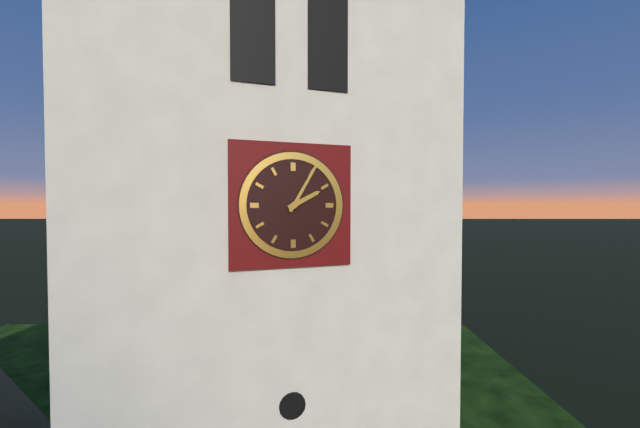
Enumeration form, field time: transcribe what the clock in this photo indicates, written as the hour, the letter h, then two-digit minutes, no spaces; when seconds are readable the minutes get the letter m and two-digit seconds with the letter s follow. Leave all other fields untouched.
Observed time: 2h05
